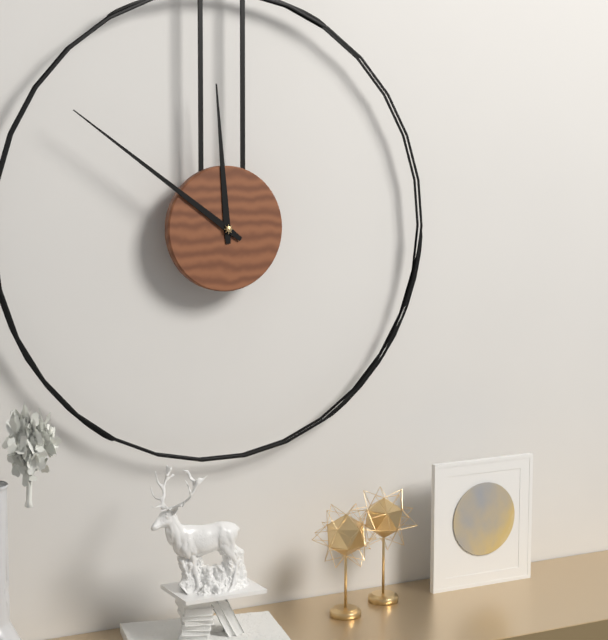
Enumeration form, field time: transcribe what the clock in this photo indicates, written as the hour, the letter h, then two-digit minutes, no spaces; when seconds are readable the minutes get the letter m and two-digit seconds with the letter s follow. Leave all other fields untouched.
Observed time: 11h51
